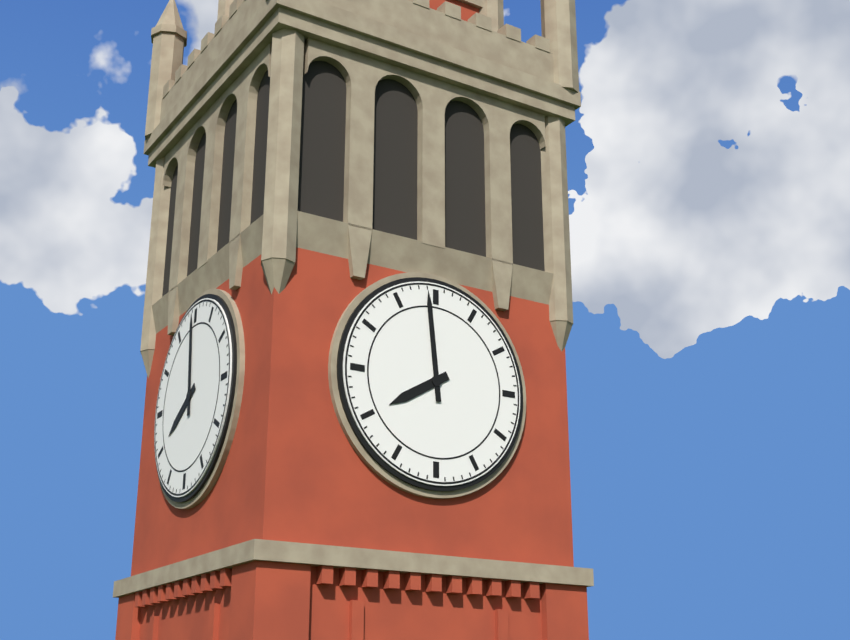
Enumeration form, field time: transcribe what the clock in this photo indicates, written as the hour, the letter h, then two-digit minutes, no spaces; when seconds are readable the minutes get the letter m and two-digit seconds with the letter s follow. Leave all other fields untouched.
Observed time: 7h59
